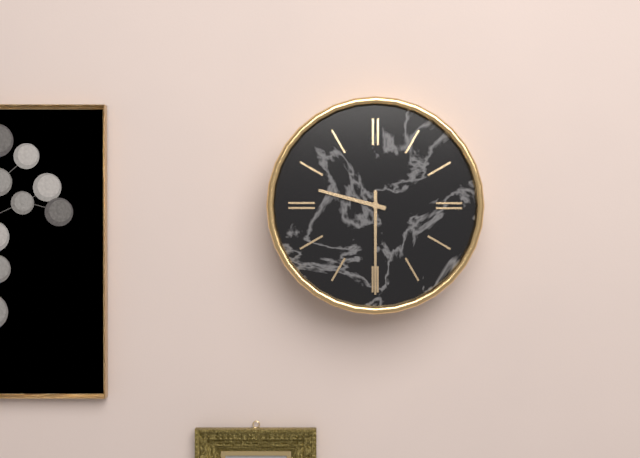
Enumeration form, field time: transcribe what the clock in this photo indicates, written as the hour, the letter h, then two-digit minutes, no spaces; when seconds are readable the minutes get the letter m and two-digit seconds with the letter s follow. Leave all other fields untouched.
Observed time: 9h30
